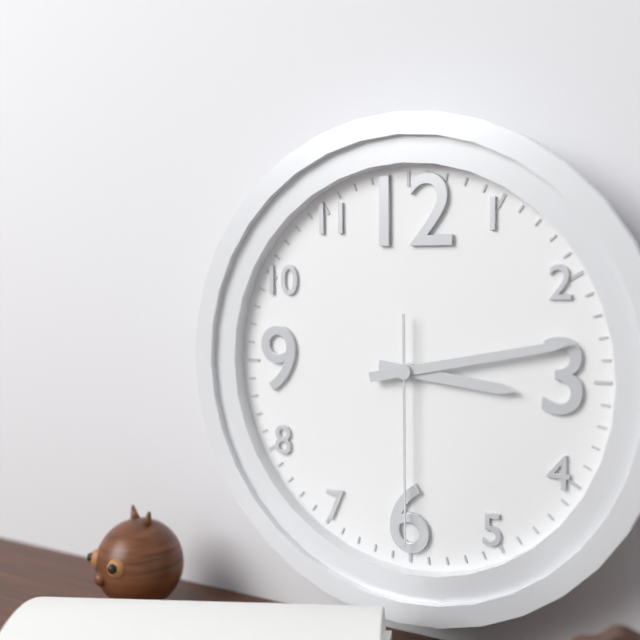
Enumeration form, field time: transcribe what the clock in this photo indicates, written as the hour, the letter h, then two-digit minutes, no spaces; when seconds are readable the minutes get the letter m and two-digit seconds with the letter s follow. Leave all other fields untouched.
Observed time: 3h13m30s
